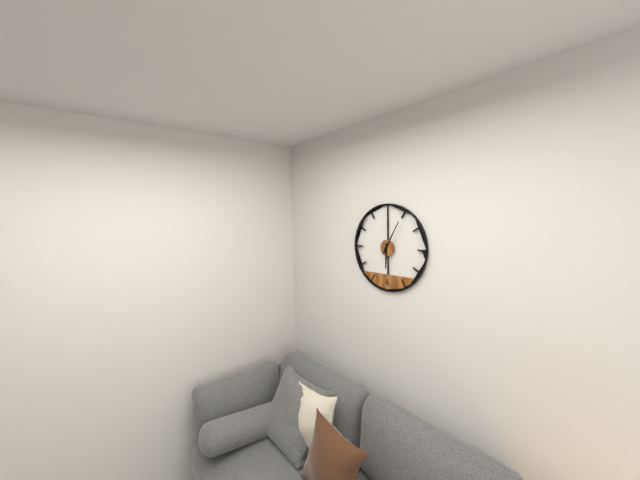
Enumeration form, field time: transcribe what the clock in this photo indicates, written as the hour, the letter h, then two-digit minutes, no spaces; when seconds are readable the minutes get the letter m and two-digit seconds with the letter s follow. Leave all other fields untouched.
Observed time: 6h05
